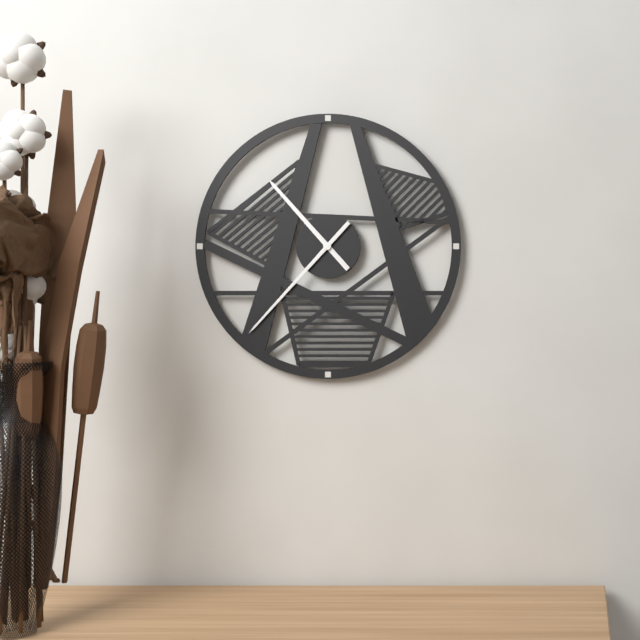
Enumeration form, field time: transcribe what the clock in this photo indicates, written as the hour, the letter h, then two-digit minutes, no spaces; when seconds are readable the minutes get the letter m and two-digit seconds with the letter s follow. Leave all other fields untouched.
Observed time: 10h37
